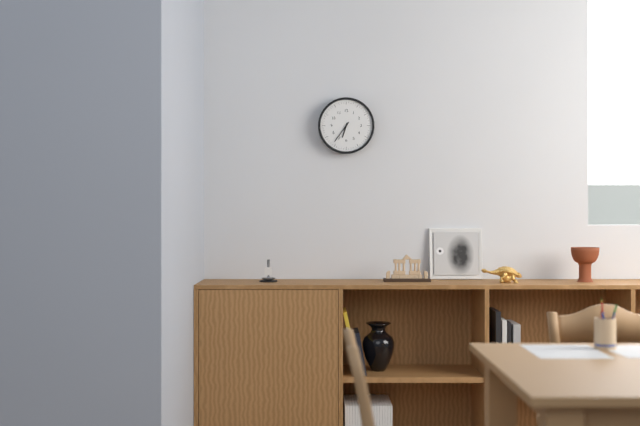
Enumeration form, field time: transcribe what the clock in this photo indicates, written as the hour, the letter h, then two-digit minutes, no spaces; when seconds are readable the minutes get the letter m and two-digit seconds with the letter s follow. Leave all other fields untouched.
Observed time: 6h36
